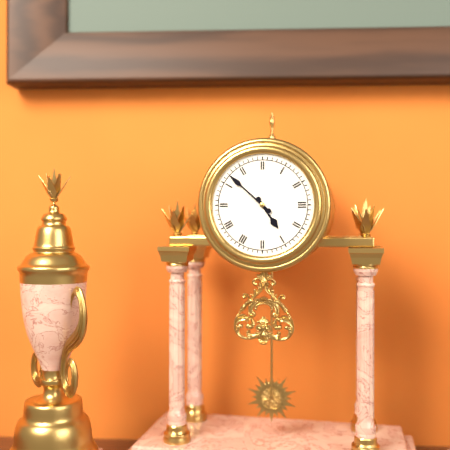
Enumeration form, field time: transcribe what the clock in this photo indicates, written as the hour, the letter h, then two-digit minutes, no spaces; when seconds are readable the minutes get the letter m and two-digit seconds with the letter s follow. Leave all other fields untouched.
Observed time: 4h52
